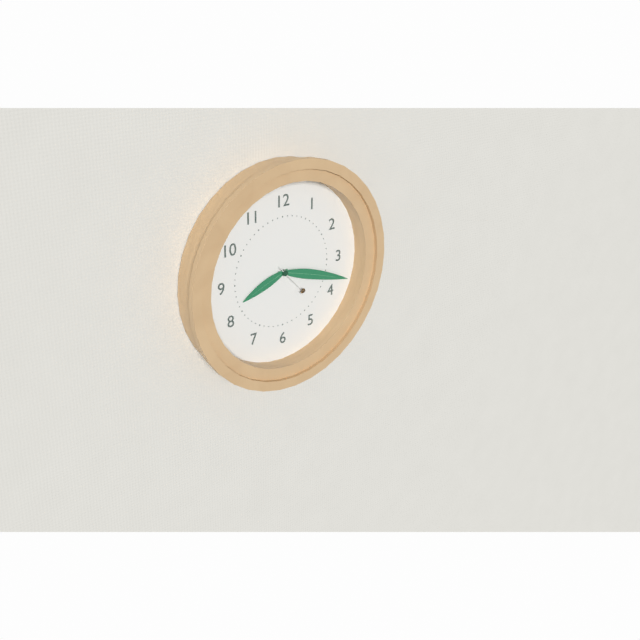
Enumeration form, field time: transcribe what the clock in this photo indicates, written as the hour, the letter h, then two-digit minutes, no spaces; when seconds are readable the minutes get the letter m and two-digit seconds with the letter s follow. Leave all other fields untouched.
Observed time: 8h18
